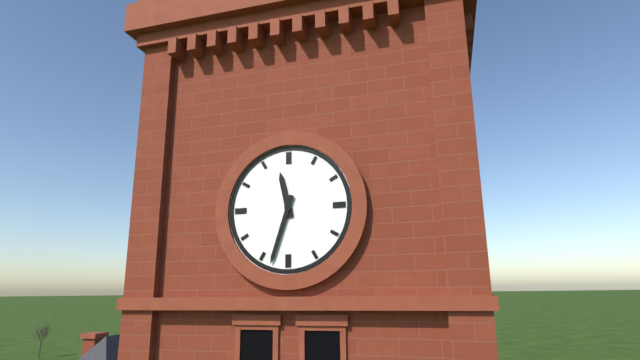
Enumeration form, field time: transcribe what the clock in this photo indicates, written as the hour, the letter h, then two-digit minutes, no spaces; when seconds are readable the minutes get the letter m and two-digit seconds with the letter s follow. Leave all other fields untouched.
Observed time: 11h33
